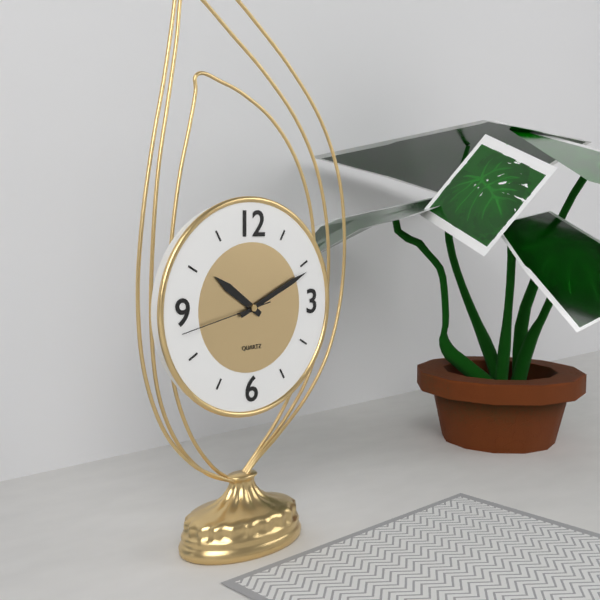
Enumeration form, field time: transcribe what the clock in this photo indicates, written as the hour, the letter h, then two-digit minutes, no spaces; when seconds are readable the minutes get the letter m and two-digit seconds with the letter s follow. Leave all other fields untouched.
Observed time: 10h11m43s
